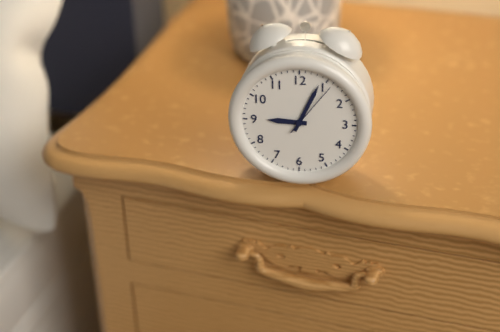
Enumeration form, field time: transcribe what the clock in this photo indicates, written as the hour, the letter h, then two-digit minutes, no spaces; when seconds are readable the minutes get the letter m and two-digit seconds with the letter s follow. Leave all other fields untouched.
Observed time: 9h04m06s
